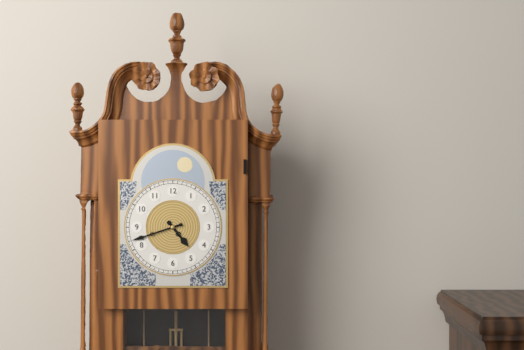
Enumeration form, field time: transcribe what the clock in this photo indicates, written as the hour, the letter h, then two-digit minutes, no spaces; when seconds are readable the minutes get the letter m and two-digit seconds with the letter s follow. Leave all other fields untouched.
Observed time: 4h42
